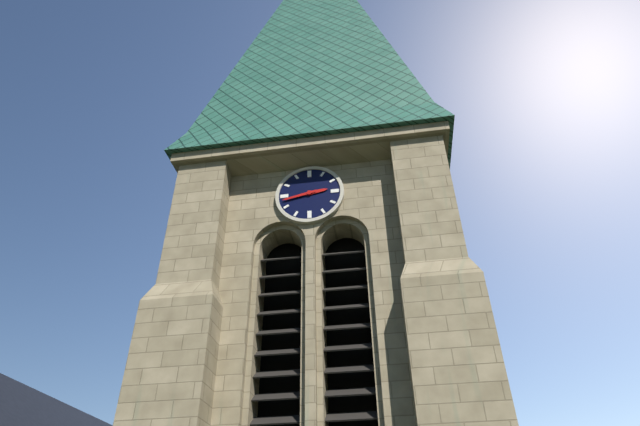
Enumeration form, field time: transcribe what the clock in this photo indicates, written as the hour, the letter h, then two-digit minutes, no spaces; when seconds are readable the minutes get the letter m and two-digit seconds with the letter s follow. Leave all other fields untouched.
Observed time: 2h43
